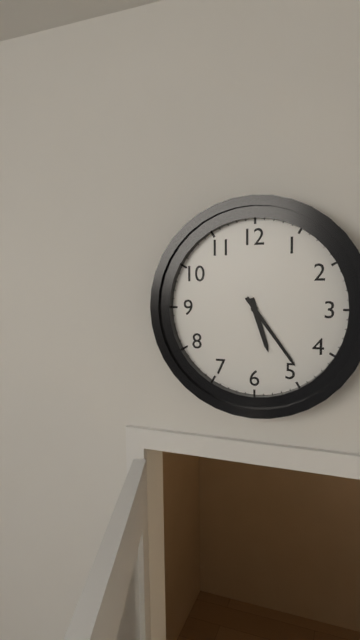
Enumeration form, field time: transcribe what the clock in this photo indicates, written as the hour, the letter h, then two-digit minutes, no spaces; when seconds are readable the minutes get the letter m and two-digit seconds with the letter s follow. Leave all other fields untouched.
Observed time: 5h24
